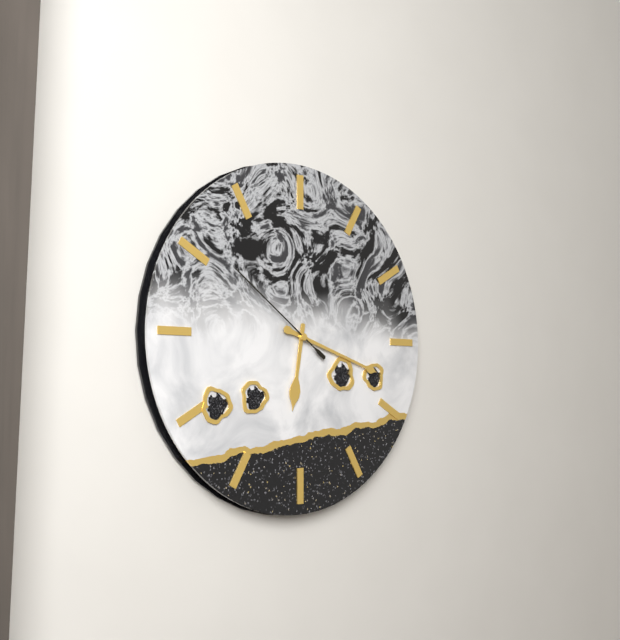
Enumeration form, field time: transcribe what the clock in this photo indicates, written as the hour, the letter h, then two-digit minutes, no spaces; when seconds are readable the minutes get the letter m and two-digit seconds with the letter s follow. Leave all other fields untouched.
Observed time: 6h18m51s
